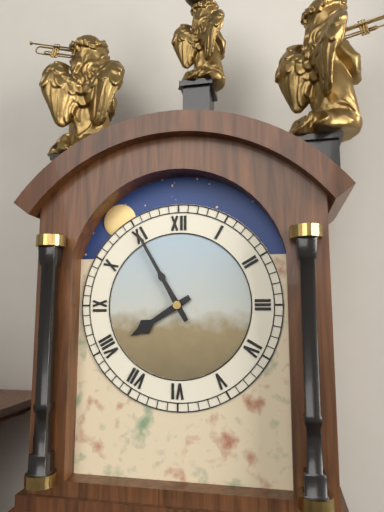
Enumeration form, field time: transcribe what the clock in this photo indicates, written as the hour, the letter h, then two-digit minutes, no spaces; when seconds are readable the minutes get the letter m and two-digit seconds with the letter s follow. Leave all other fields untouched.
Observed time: 7h55
